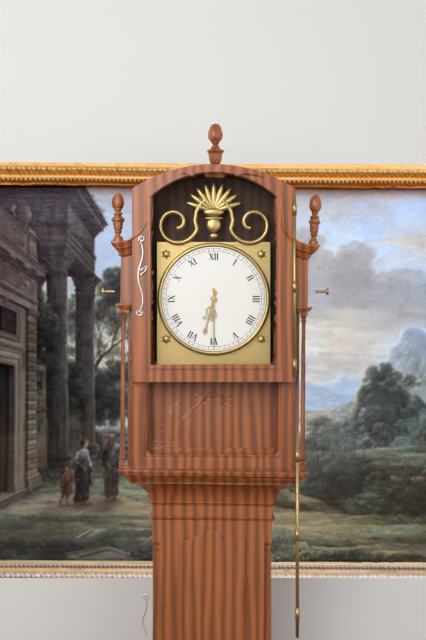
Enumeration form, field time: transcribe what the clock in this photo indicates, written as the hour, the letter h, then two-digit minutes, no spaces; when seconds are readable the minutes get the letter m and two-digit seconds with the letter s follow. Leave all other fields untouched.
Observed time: 6h30
